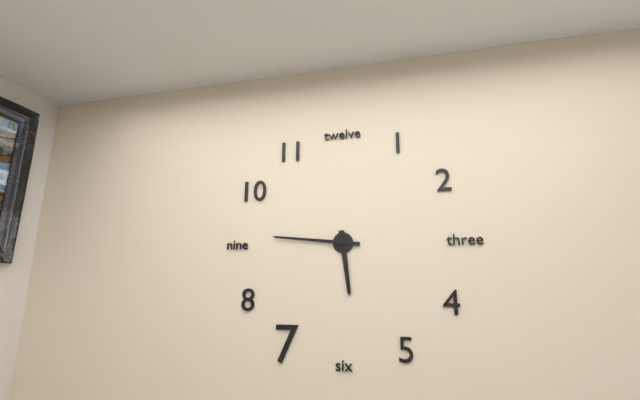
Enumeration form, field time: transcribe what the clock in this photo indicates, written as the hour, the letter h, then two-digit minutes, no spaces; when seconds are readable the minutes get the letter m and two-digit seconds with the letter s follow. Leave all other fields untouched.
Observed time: 5h46
